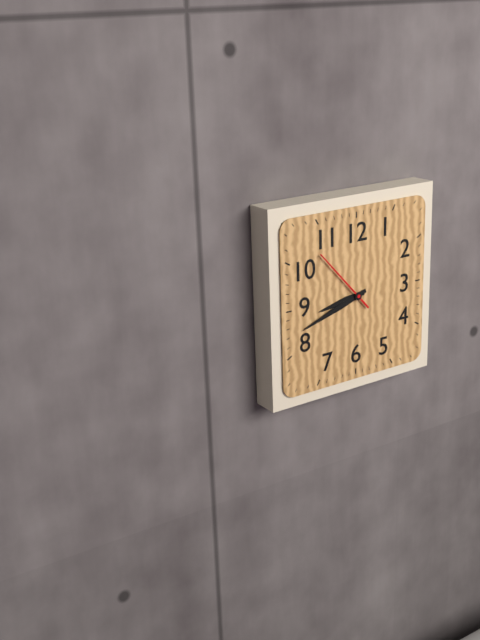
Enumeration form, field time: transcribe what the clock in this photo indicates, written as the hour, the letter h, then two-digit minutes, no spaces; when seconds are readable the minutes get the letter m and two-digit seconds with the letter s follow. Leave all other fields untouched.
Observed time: 8h42m53s
